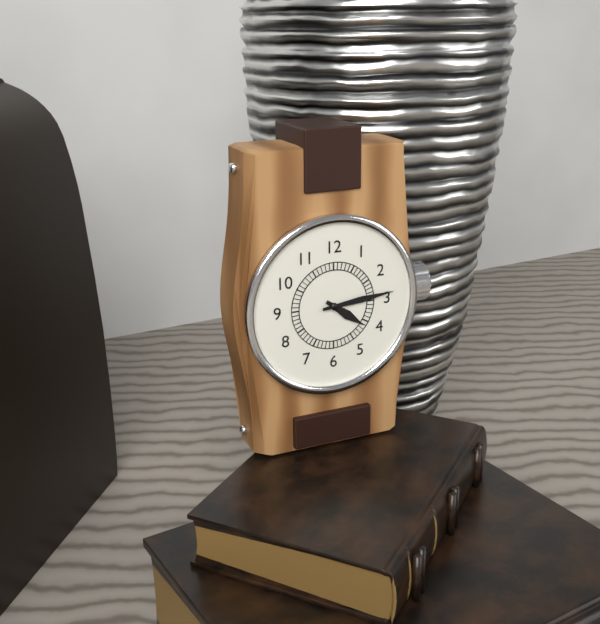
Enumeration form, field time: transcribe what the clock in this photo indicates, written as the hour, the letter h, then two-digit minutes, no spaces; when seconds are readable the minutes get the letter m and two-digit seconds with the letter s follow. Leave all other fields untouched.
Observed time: 4h14
